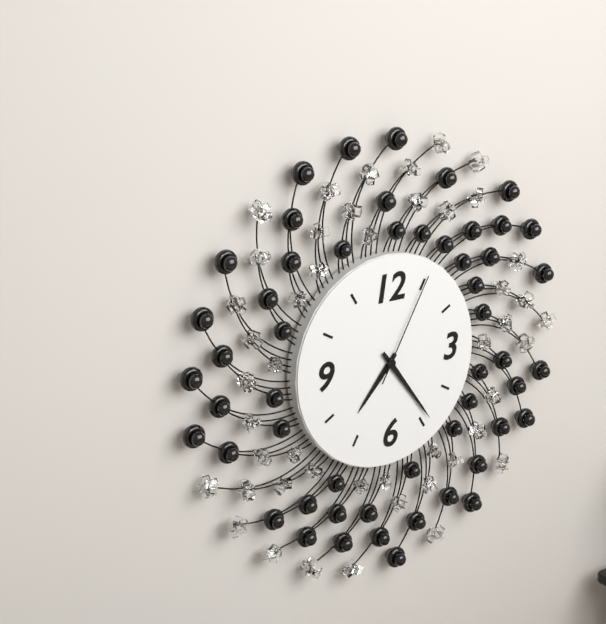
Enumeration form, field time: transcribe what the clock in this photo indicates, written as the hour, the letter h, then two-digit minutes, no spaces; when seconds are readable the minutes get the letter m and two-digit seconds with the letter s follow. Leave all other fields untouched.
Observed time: 7h24m05s
